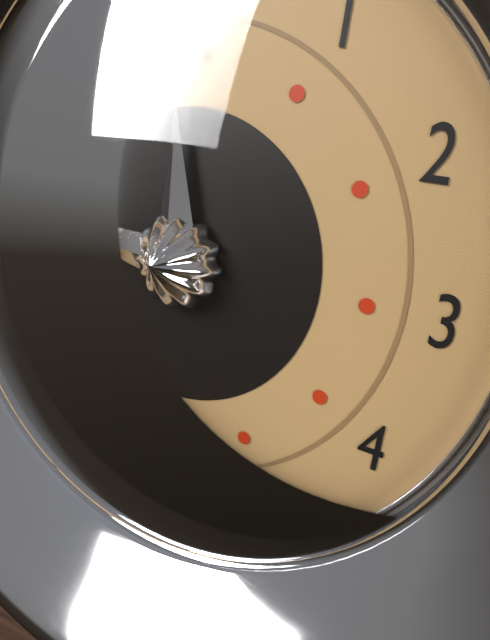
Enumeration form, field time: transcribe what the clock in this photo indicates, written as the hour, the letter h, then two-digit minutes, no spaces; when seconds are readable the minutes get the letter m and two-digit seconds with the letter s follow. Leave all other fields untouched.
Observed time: 11h46
